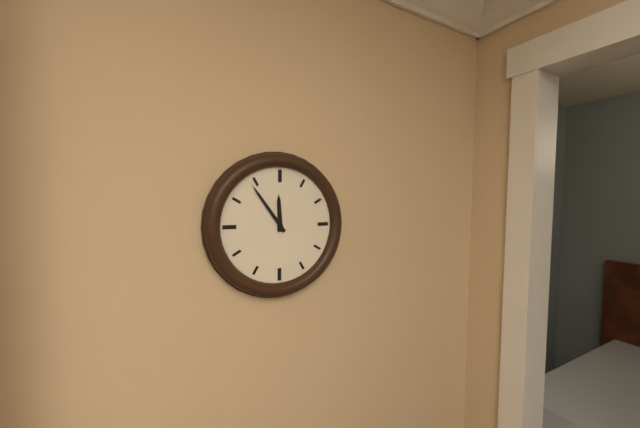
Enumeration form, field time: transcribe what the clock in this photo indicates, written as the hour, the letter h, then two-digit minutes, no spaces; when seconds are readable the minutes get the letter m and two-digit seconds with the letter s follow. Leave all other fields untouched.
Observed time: 11h54
